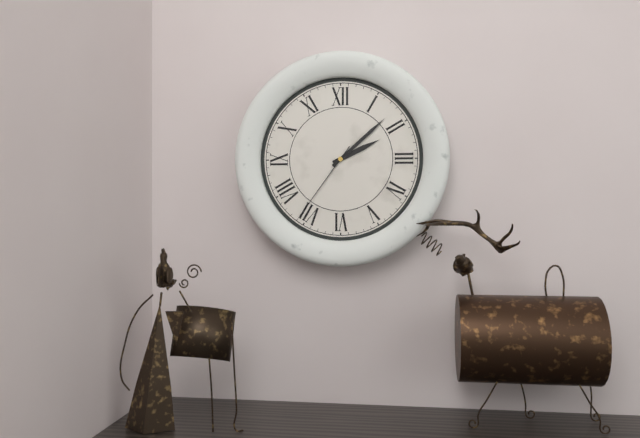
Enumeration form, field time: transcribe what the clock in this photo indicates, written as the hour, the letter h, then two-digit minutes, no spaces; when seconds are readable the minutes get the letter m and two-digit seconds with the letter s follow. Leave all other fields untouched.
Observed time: 2h08m36s
